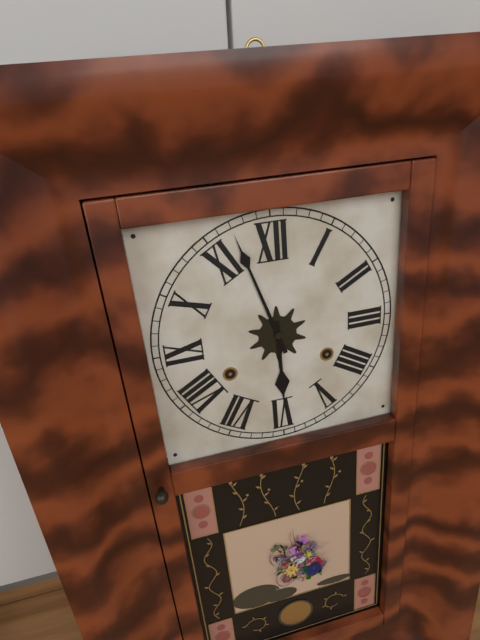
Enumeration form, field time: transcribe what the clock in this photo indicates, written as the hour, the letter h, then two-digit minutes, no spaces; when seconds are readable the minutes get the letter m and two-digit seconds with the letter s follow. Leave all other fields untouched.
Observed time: 5h57
